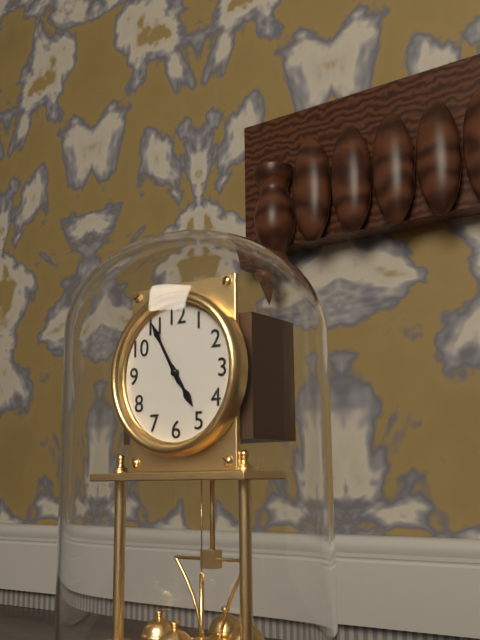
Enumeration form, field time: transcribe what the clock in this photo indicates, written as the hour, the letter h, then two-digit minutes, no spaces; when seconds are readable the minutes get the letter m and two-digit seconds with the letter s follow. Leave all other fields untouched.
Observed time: 4h55
